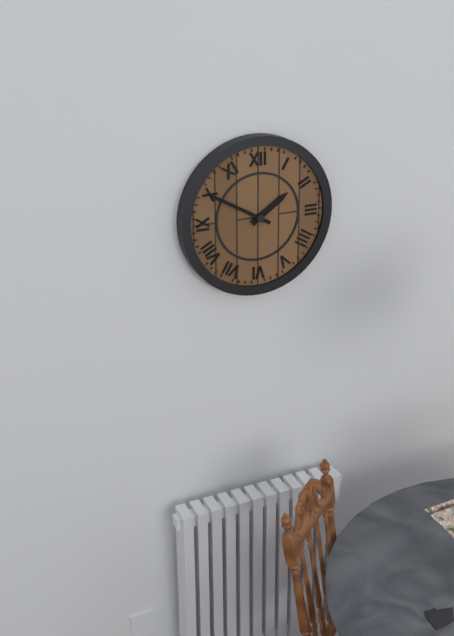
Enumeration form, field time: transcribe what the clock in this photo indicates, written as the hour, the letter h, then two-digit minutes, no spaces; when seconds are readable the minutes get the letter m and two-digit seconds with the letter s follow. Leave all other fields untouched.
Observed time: 1h50
